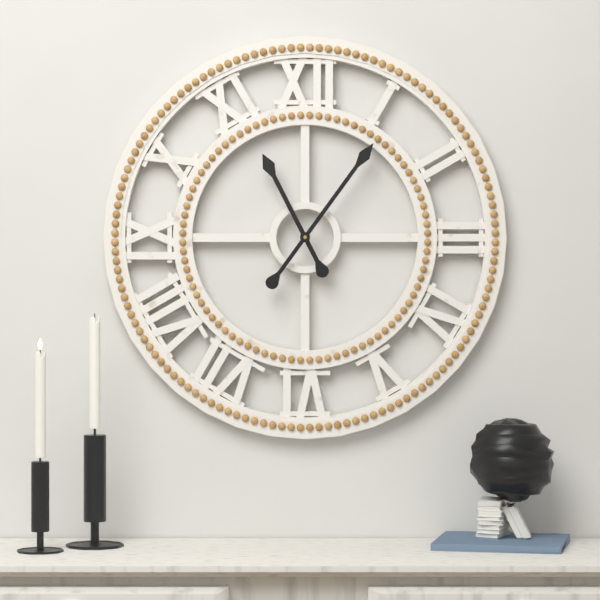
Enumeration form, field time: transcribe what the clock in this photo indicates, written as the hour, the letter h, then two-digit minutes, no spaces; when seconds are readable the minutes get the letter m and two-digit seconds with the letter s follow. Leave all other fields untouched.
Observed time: 11h06
